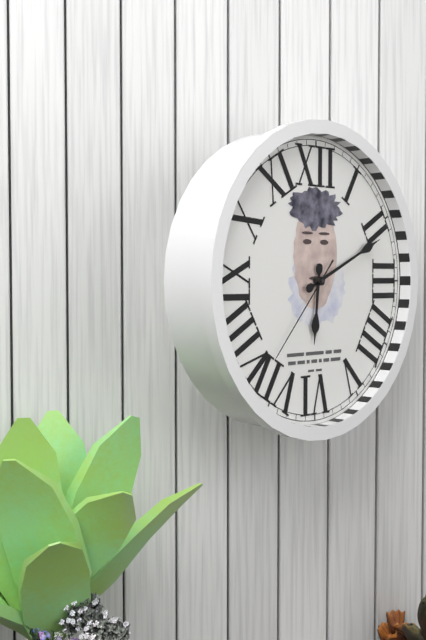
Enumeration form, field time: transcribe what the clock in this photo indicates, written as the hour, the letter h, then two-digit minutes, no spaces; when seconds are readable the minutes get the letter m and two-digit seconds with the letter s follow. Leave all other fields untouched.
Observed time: 6h11m37s
